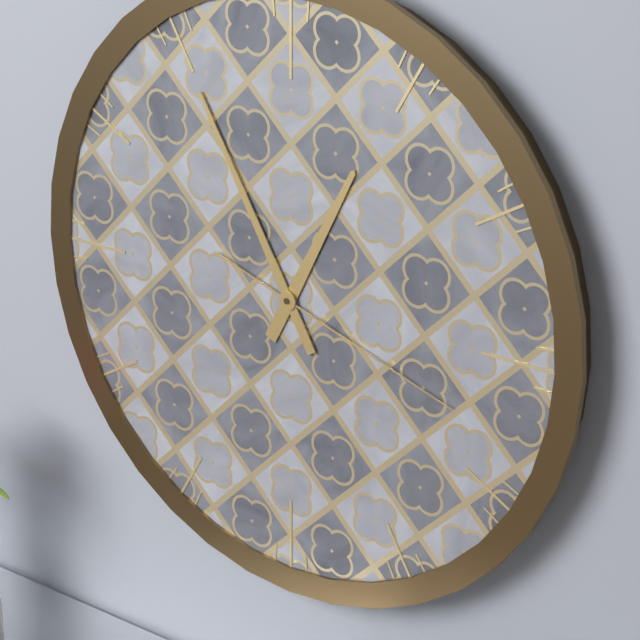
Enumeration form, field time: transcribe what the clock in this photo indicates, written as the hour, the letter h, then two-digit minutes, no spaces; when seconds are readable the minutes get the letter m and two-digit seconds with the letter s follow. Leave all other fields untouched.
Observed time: 12h55m18s
